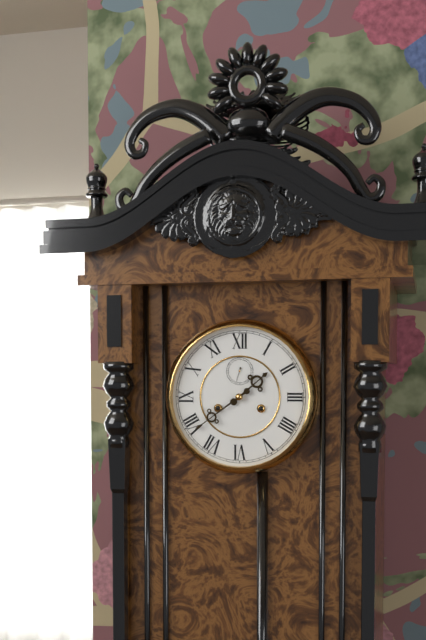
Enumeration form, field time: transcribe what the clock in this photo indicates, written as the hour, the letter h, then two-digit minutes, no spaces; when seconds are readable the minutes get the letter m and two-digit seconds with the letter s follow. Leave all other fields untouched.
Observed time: 1h39
